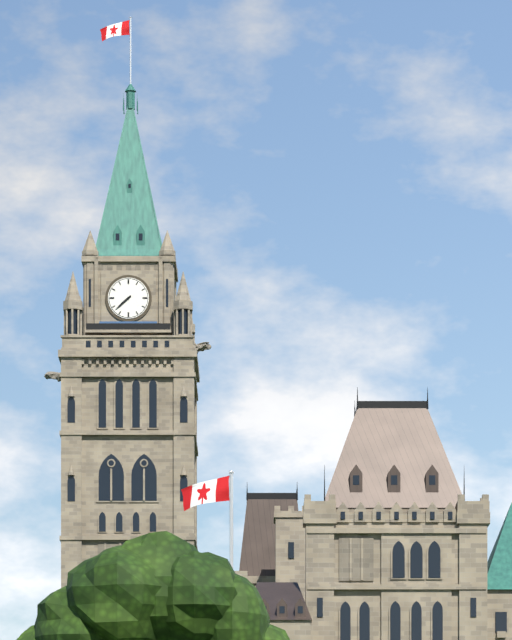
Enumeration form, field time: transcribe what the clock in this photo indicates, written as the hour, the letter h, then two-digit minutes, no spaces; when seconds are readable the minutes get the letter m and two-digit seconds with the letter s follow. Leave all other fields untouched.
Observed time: 7h38
